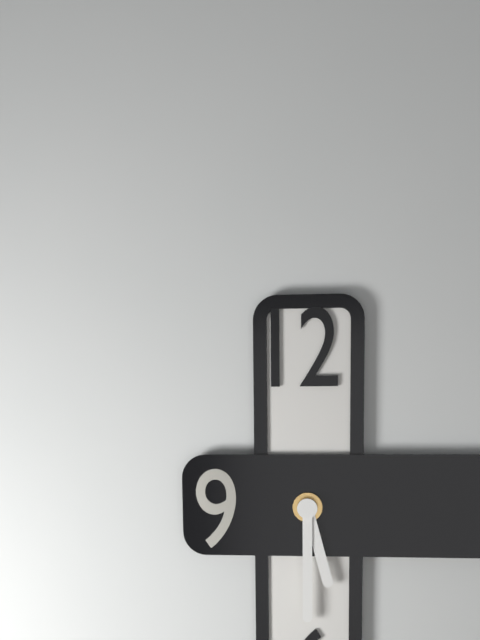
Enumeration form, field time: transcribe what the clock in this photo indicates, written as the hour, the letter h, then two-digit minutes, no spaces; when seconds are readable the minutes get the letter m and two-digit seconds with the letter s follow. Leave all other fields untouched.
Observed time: 5h30
